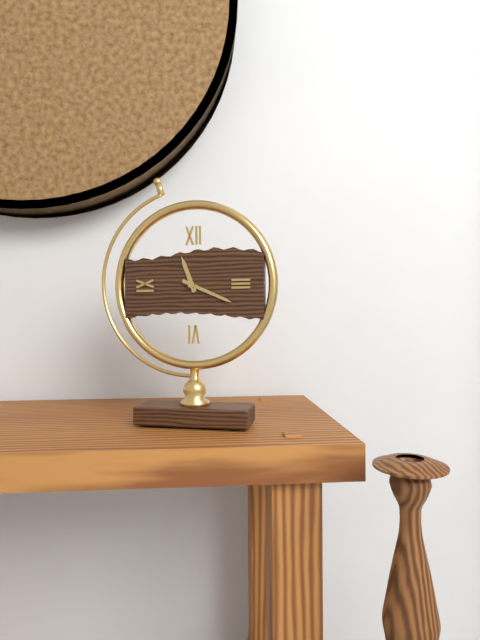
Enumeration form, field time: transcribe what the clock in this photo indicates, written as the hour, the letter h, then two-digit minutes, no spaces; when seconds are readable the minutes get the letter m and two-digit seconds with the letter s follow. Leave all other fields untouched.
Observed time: 11h19
